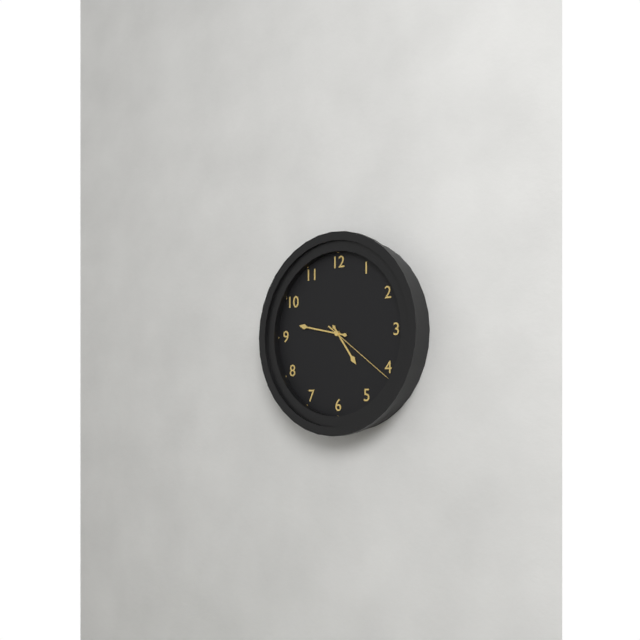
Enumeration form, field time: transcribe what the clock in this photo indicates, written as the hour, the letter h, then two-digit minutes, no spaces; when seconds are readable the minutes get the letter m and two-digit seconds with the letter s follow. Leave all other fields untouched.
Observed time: 4h47m21s
